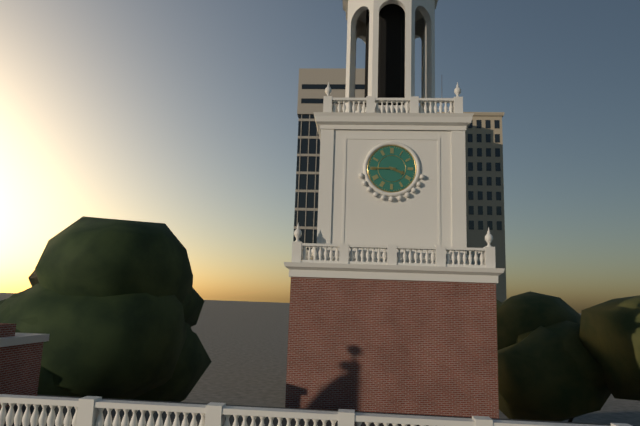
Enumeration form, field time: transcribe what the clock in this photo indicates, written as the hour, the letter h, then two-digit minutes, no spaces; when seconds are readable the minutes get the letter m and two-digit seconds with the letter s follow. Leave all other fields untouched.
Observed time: 3h45
